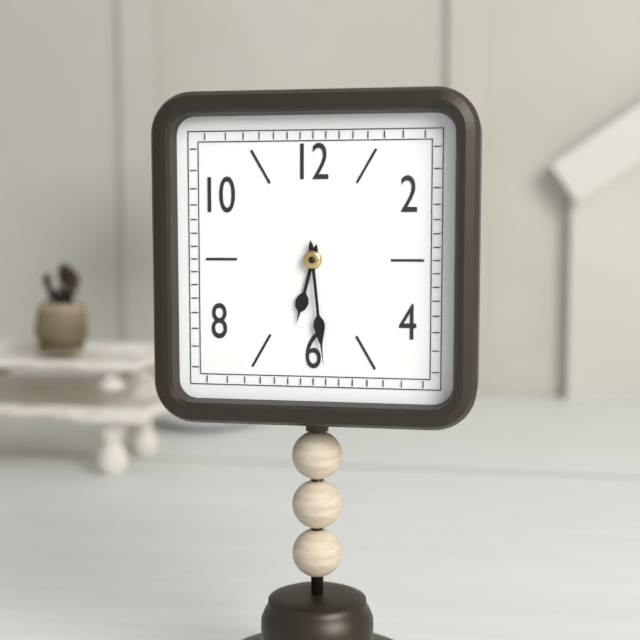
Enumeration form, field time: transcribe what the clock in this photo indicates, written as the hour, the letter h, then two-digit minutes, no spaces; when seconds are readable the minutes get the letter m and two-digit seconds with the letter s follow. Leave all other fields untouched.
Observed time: 6h29
